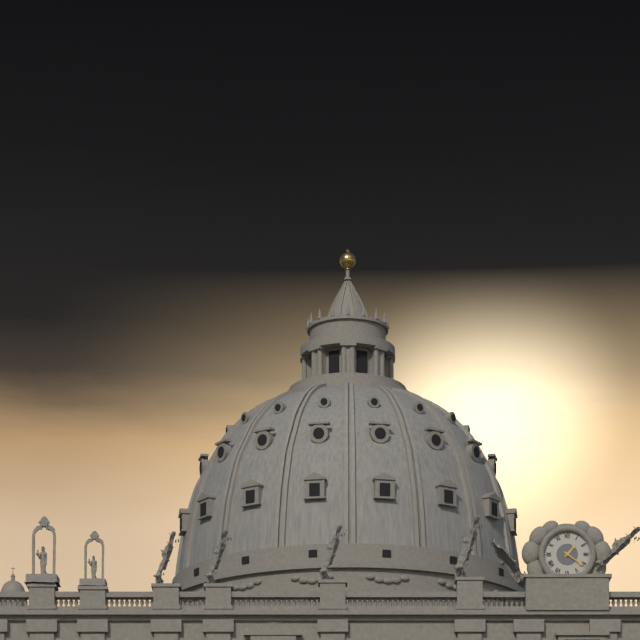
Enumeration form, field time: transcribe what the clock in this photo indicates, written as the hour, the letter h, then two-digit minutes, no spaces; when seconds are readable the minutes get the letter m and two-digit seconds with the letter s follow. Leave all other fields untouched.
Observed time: 1h21
